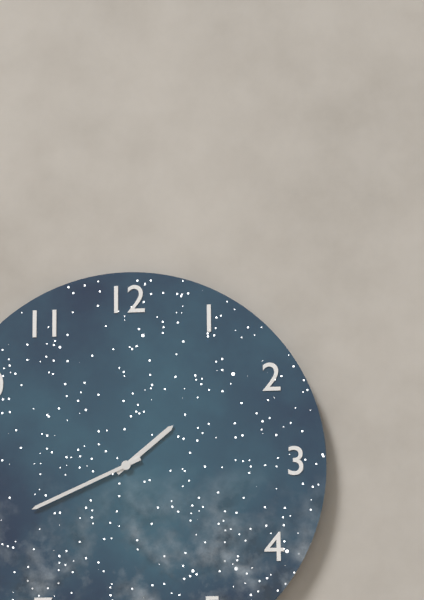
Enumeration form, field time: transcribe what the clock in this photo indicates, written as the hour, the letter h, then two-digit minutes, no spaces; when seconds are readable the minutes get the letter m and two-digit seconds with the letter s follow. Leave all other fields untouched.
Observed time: 1h41
